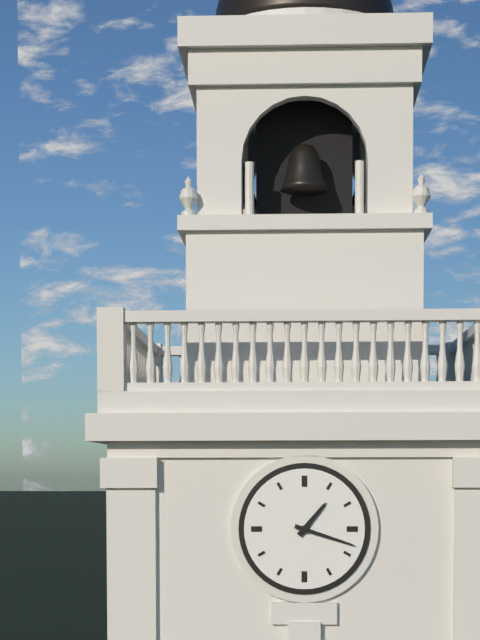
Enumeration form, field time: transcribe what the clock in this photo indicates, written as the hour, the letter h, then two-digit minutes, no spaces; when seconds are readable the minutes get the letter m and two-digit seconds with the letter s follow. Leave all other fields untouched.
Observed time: 1h18
